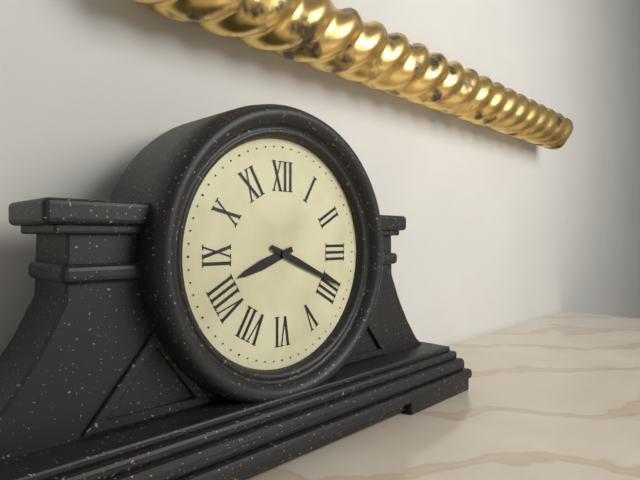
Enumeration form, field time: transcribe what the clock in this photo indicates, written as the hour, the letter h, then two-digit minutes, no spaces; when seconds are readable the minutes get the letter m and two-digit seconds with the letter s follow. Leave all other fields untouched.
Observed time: 8h19
